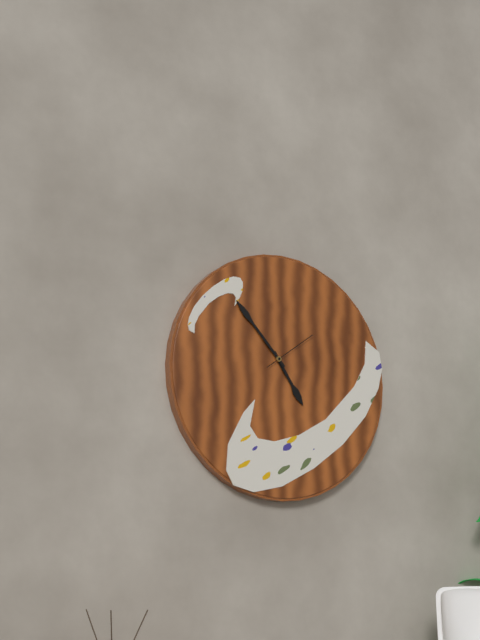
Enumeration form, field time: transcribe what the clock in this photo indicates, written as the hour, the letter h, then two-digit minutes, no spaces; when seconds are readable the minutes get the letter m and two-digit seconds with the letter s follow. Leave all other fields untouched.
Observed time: 4h53m09s
